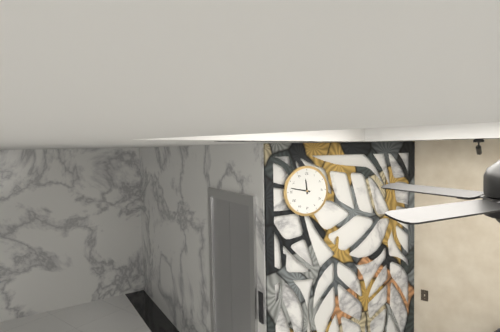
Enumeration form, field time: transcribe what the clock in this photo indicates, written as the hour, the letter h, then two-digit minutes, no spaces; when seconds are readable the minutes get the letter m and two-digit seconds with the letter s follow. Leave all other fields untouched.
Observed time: 11h47
